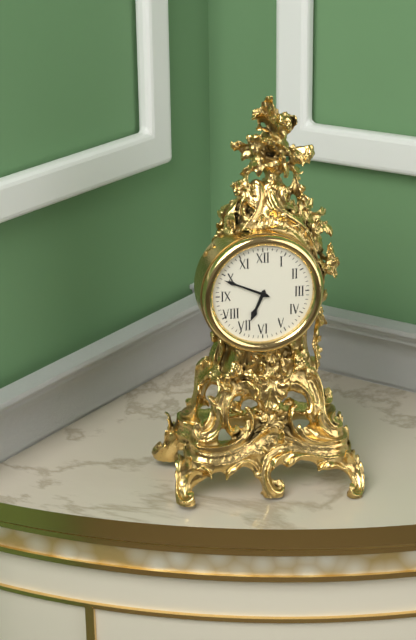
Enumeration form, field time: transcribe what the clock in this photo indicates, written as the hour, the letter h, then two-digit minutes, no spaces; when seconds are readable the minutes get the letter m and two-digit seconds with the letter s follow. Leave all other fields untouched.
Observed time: 6h49
